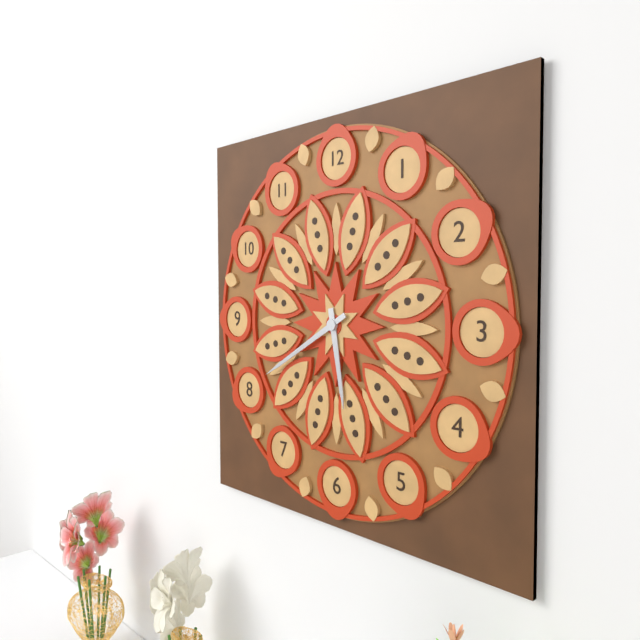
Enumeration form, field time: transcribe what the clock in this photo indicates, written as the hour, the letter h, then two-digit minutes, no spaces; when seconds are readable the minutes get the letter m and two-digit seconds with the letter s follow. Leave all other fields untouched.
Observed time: 5h40
